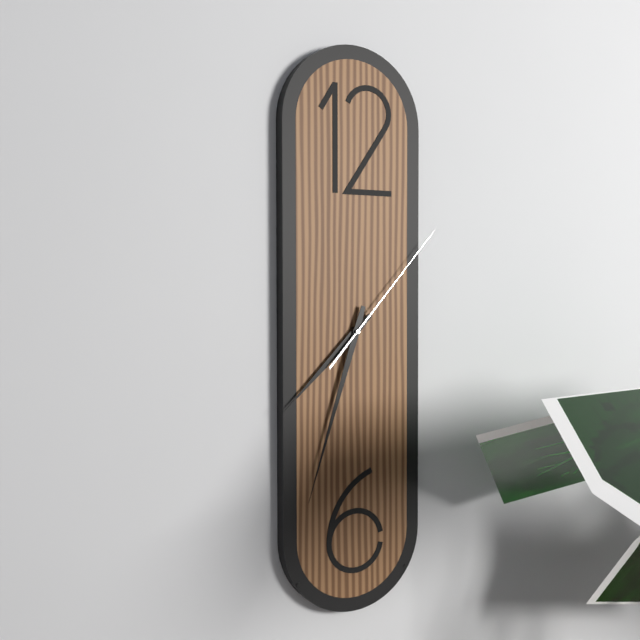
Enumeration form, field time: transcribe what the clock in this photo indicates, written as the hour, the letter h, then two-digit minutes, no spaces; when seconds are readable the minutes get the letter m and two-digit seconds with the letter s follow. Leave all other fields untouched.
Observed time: 7h33m07s
